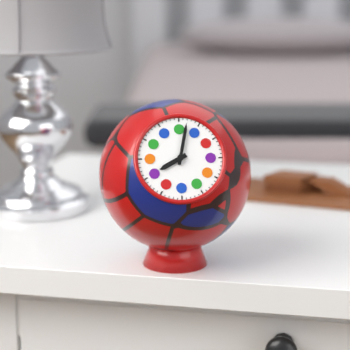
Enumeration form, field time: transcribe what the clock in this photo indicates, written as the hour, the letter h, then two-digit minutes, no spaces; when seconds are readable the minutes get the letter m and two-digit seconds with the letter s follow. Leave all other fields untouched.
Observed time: 8h02
